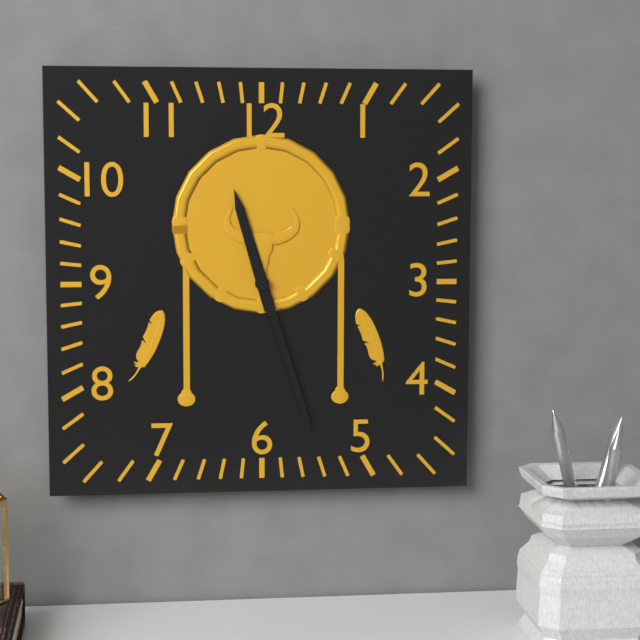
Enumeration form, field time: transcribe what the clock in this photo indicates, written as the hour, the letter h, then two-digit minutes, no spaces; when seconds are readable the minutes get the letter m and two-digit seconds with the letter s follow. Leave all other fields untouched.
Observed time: 11h27
